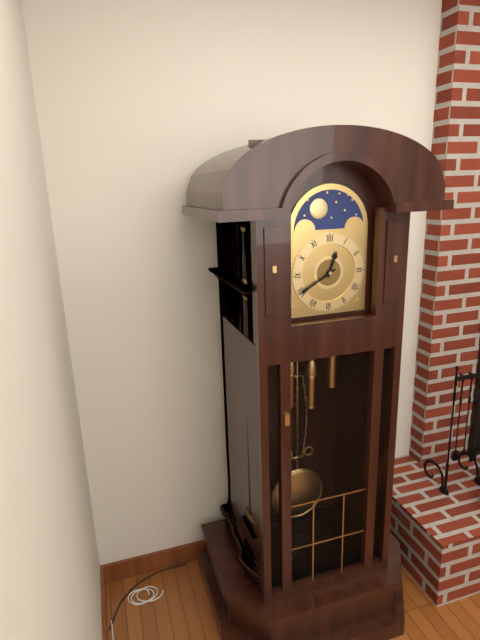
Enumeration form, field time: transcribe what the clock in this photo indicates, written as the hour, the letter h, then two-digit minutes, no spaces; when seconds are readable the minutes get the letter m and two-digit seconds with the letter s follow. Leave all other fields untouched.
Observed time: 12h40
